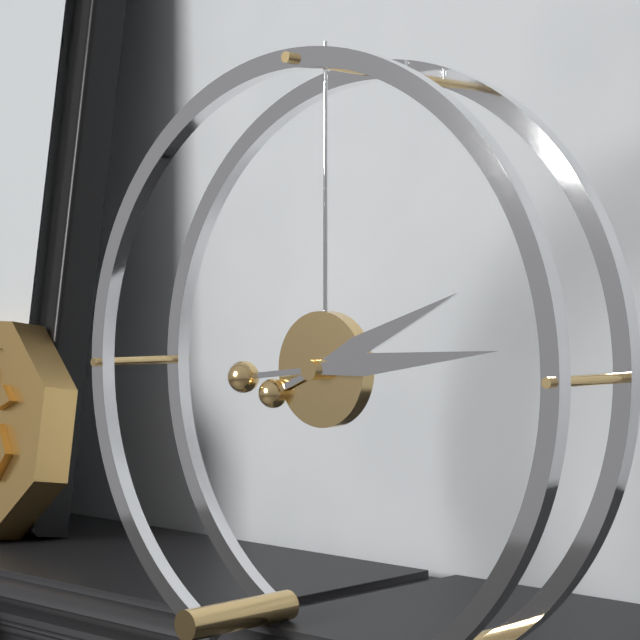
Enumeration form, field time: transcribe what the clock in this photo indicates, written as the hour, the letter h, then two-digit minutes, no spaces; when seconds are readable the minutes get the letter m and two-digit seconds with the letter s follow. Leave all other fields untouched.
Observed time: 2h14
